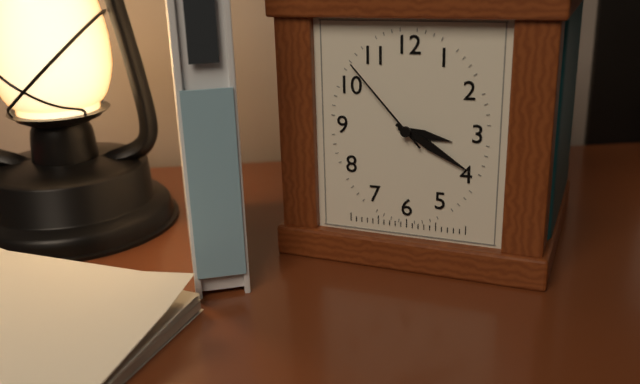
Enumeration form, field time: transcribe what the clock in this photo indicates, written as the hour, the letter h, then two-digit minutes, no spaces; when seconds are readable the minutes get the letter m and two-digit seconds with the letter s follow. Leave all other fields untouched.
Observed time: 3h20m53s
